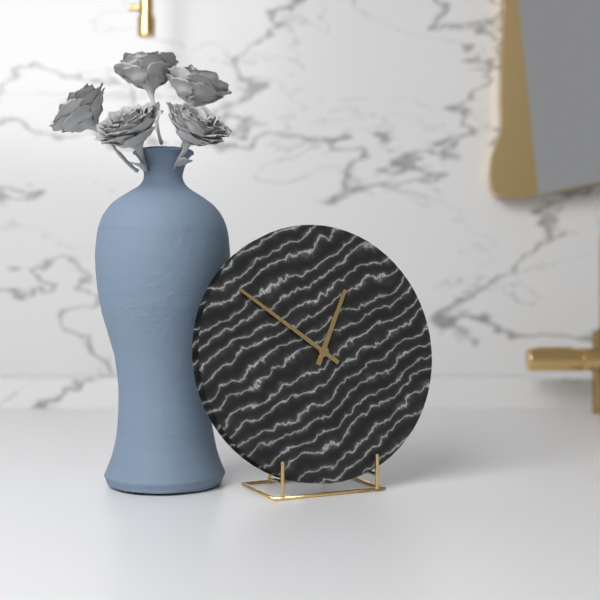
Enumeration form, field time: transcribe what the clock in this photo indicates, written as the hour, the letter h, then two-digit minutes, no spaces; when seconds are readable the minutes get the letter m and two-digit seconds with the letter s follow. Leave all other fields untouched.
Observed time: 12h51
